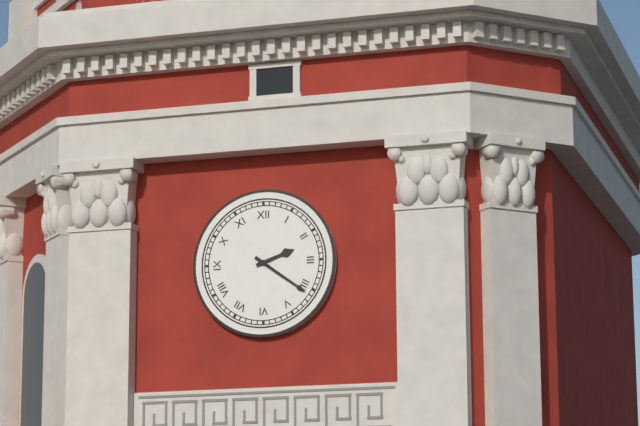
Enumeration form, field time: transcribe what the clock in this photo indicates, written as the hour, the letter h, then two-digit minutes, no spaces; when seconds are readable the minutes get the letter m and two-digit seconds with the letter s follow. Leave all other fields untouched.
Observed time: 2h21
